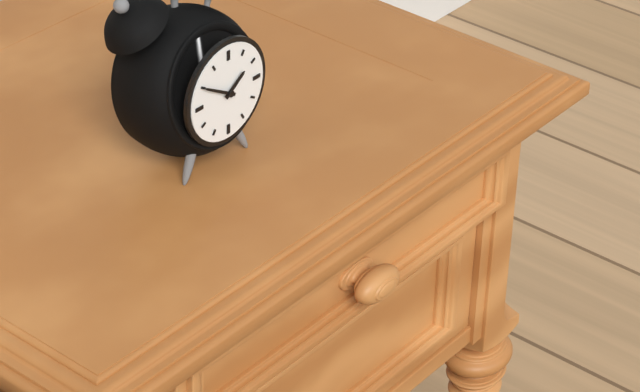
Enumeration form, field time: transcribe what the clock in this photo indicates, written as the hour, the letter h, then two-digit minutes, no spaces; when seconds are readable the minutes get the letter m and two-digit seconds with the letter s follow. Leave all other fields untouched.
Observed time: 1h50
